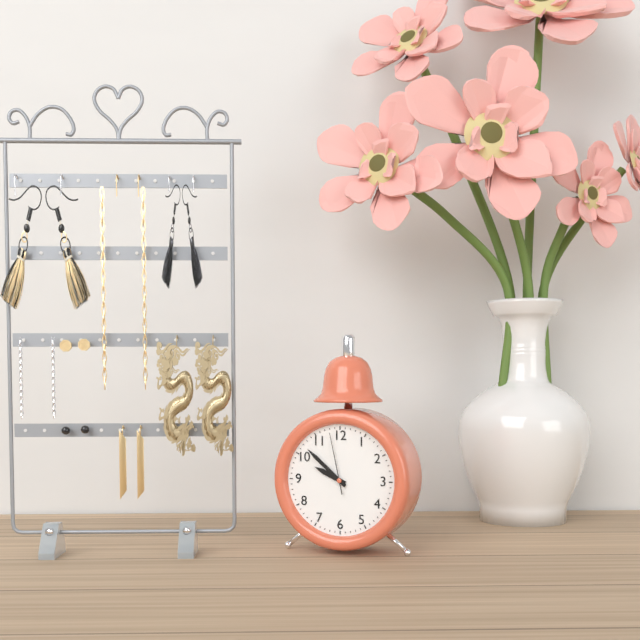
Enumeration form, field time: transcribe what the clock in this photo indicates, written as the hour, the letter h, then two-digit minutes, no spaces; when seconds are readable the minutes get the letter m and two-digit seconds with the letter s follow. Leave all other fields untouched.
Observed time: 9h52m58s
